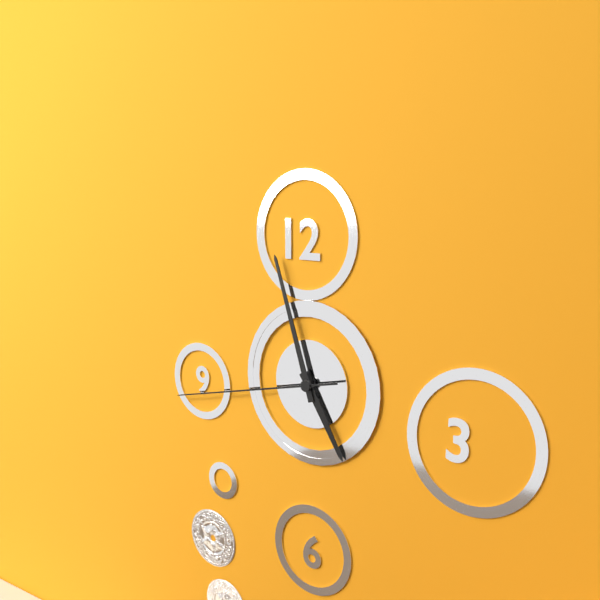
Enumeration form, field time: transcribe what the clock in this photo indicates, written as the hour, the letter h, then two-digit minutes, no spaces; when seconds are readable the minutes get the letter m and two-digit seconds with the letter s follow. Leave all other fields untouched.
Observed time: 4h57m43s
